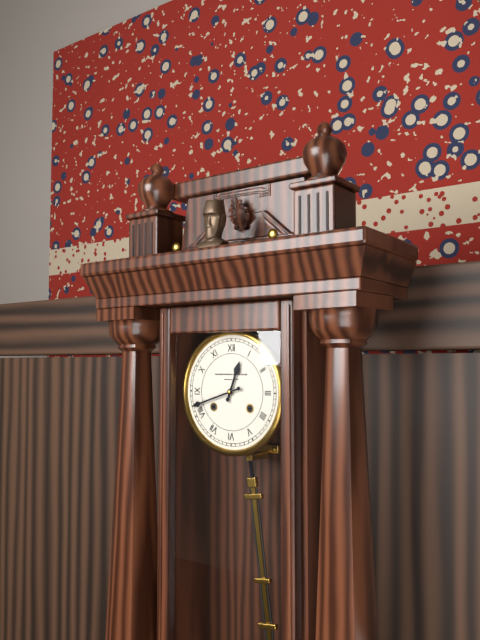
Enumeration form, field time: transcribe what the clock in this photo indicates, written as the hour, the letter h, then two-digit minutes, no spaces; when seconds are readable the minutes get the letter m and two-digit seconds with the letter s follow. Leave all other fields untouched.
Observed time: 12h42
